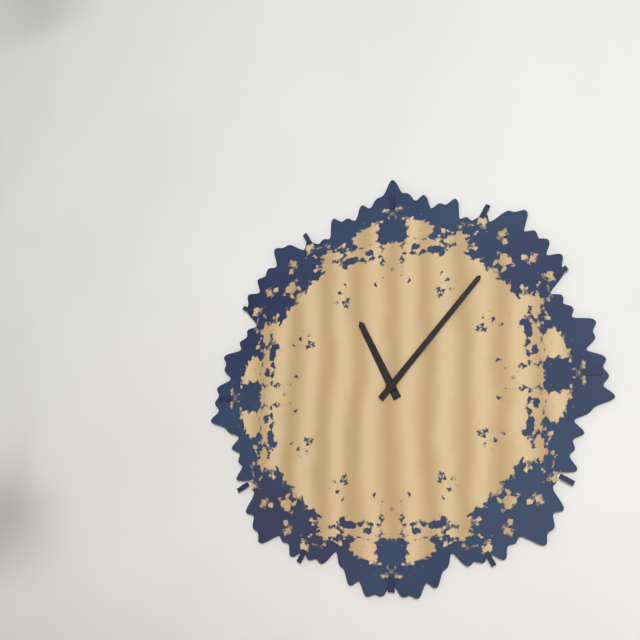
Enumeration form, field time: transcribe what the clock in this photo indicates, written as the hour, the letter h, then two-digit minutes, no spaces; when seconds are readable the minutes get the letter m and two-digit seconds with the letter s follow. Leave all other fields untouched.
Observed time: 11h07
